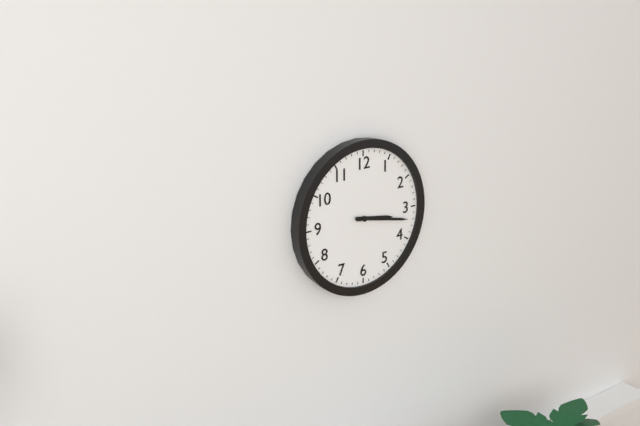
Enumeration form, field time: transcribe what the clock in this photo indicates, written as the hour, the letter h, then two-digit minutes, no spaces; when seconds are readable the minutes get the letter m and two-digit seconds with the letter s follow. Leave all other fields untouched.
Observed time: 3h17
